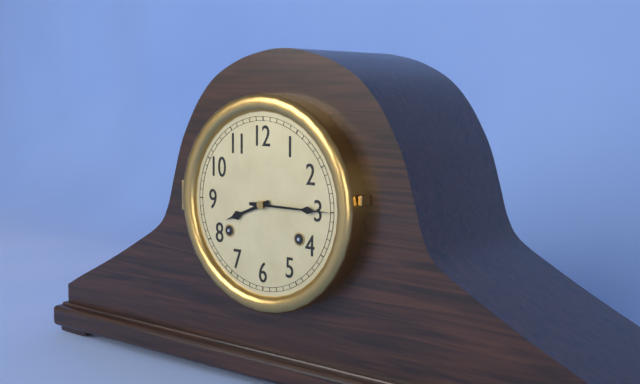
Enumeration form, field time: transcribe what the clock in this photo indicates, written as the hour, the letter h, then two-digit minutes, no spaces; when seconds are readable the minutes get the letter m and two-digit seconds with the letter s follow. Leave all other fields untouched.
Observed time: 8h15
